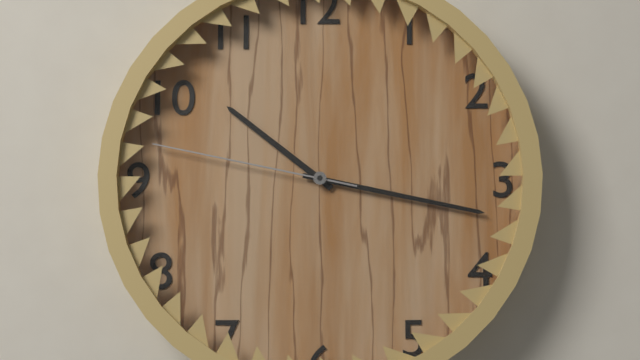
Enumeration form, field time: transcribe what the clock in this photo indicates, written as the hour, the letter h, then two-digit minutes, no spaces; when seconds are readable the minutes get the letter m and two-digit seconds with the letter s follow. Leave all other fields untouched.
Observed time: 10h17m47s
